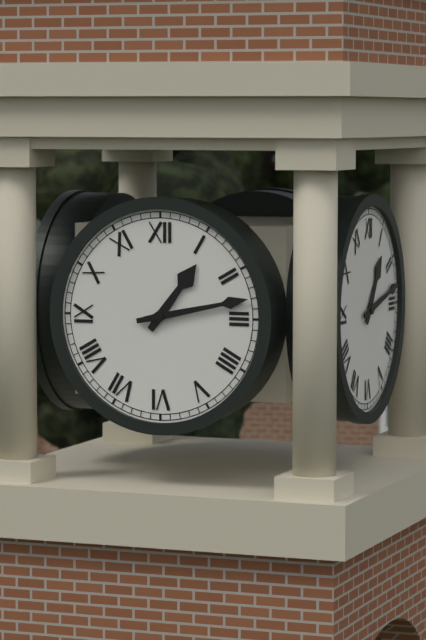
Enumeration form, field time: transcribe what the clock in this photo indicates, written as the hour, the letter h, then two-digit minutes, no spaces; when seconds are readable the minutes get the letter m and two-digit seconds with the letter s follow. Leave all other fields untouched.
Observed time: 1h13
